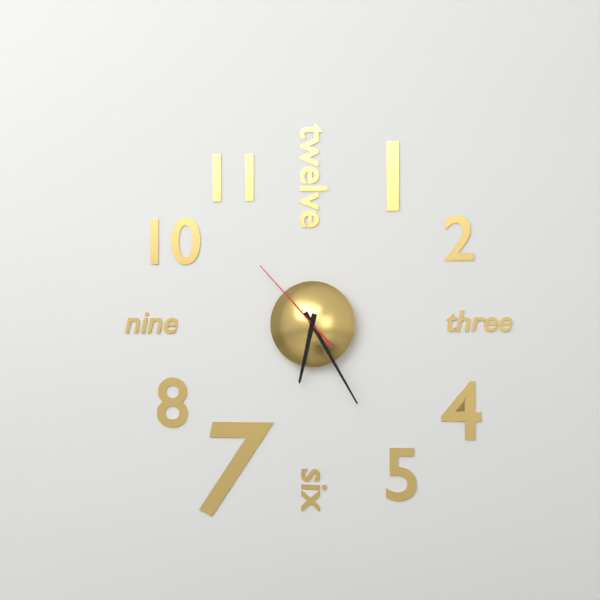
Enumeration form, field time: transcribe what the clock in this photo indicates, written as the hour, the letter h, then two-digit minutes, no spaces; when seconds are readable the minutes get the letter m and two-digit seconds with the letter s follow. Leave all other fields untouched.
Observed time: 6h25m53s
